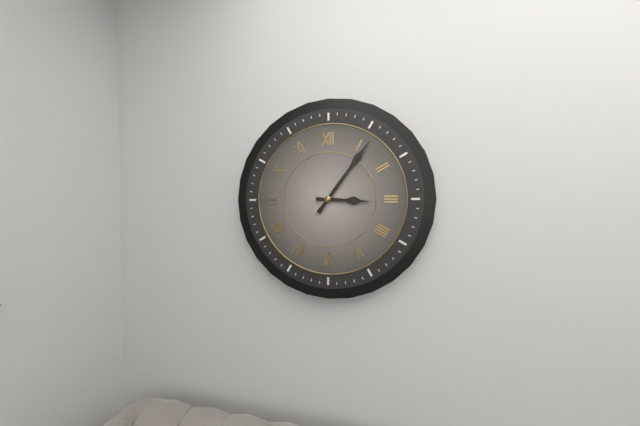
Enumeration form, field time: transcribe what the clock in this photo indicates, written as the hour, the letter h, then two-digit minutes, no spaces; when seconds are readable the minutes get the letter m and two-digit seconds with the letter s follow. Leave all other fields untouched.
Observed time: 3h06
